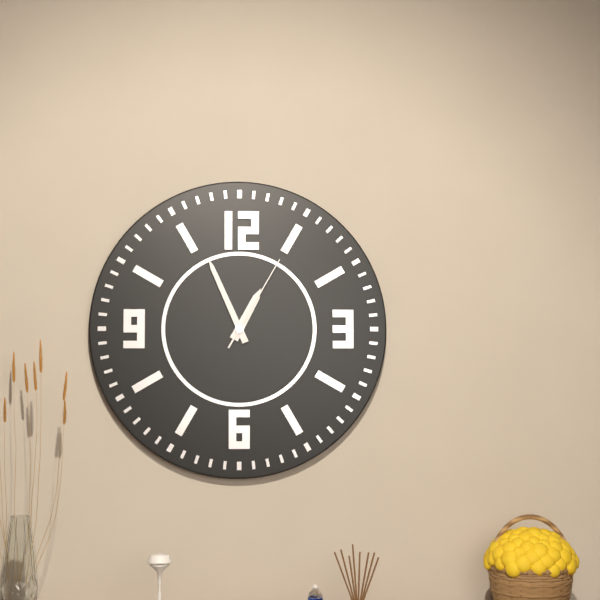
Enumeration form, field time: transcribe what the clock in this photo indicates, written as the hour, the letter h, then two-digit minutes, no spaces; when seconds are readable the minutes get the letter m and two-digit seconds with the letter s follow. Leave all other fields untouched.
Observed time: 12h56m05s
